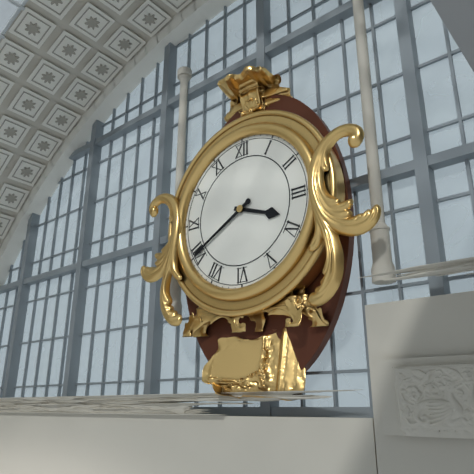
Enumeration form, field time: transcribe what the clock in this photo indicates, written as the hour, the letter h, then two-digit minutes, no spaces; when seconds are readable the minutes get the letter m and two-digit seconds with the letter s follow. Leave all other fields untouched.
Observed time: 3h40
